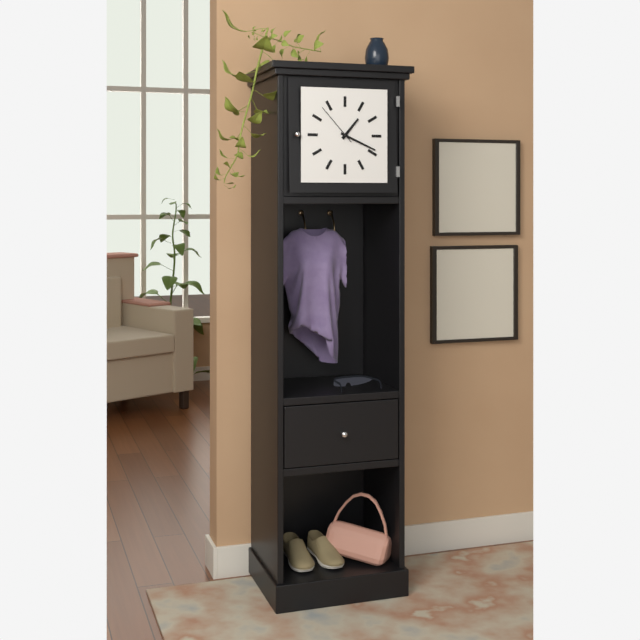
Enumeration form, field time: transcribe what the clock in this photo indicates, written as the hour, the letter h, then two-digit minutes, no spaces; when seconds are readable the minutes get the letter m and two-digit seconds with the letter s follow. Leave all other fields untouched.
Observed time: 1h19
